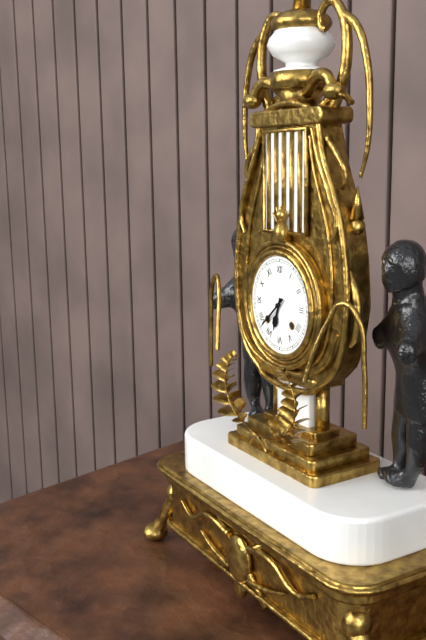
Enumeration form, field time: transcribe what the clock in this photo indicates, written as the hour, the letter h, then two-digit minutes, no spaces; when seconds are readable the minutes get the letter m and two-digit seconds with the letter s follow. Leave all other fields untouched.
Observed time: 6h38
